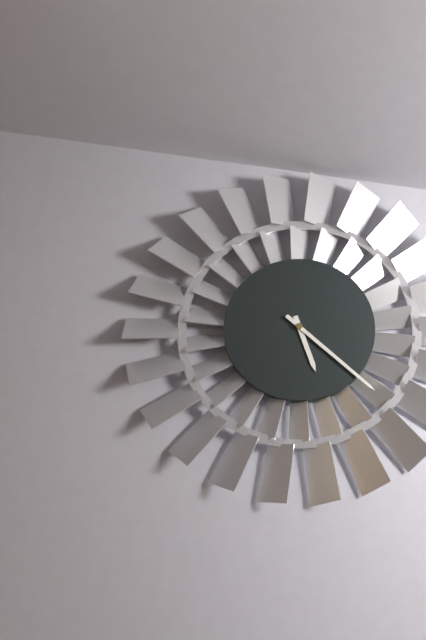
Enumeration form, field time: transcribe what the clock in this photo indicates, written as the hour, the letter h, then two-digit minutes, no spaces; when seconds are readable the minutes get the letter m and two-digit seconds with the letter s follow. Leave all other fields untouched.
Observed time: 5h22
